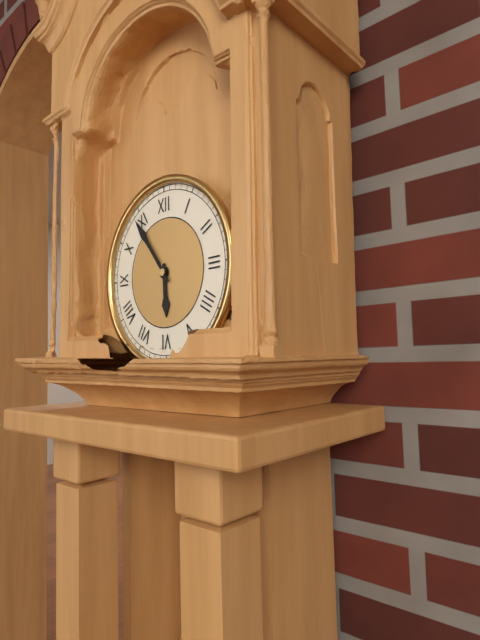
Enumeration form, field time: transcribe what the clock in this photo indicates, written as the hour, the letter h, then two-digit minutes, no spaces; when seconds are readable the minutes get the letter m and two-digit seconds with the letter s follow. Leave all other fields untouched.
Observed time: 5h54
